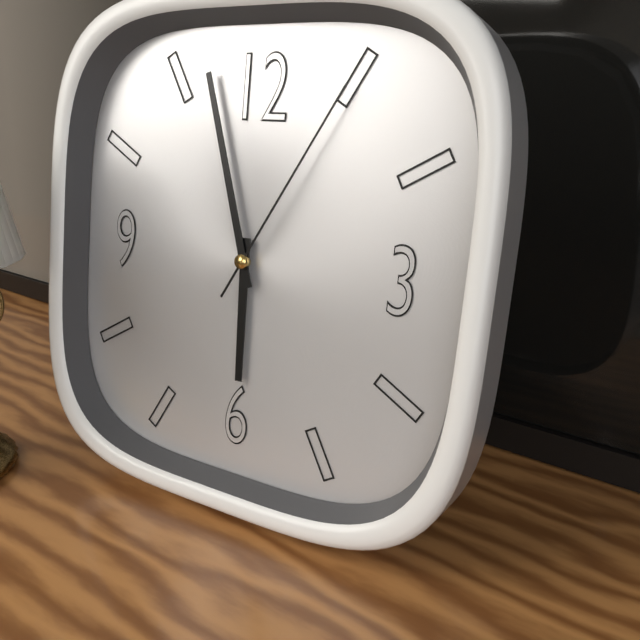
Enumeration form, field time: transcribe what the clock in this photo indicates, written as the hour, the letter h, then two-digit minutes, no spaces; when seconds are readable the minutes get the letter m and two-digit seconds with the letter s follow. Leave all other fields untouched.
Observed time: 5h57m05s
